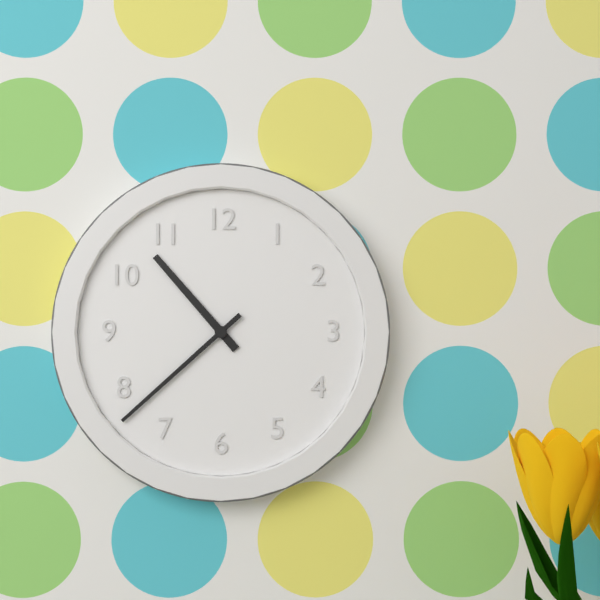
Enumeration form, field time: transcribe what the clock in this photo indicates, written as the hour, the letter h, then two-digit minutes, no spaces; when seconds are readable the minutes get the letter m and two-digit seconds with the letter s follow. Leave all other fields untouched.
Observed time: 10h38
